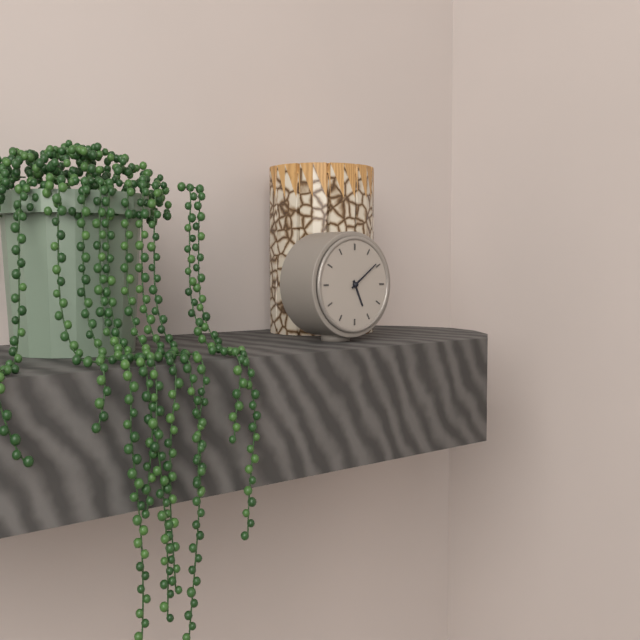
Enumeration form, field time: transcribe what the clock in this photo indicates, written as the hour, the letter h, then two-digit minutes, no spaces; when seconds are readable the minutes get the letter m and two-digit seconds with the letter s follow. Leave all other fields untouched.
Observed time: 5h09
